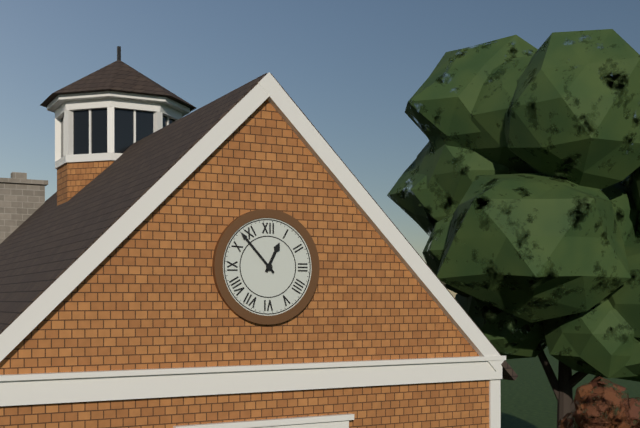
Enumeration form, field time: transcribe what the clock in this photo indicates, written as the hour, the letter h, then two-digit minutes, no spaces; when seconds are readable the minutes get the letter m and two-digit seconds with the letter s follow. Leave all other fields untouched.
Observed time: 12h53
